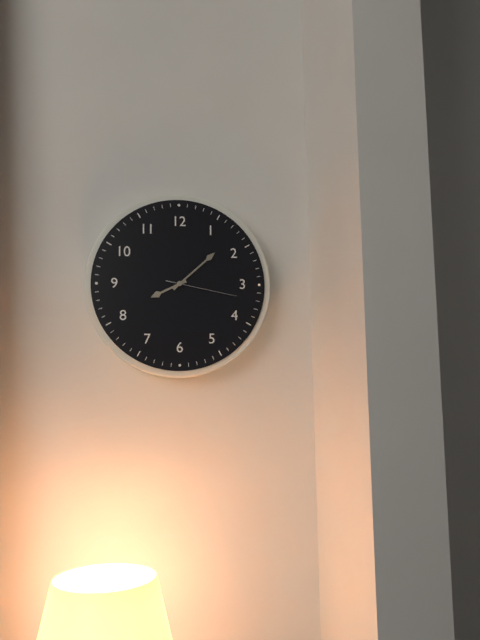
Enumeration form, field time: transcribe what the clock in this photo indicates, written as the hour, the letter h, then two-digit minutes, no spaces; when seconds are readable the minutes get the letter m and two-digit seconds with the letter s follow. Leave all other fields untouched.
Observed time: 8h08m17s
